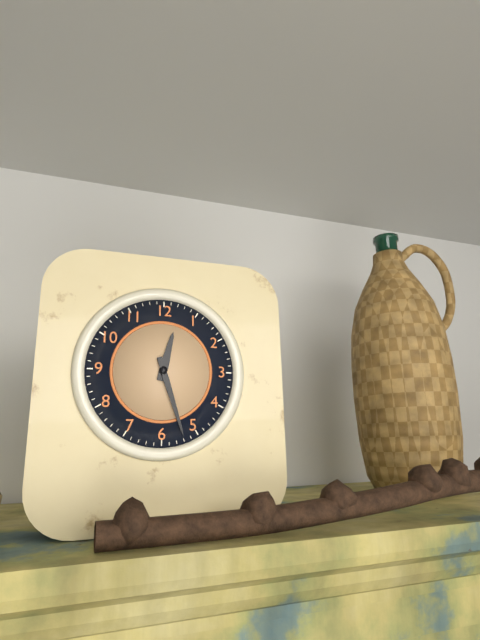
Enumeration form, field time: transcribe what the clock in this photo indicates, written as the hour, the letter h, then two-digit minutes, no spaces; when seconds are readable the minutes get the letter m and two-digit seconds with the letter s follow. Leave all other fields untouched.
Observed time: 12h27
